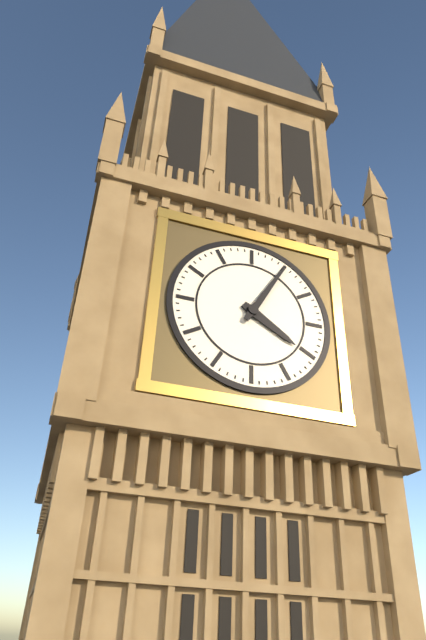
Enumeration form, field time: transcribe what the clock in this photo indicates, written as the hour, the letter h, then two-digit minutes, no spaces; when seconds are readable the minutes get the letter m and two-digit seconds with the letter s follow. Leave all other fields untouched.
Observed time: 4h05
